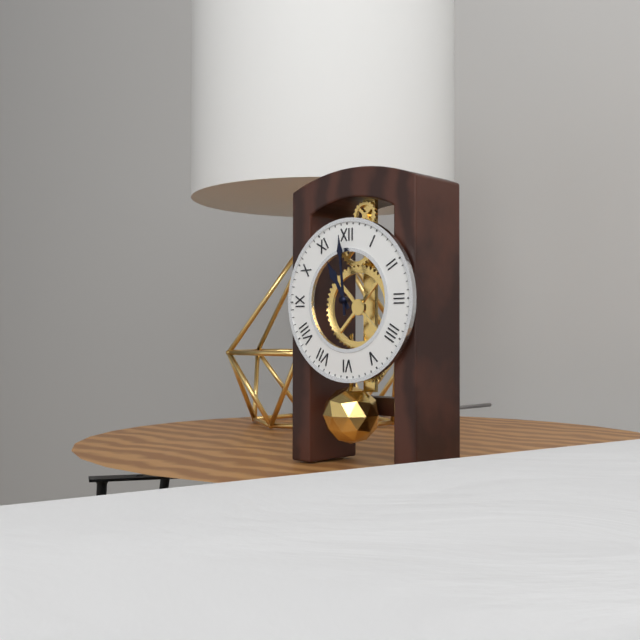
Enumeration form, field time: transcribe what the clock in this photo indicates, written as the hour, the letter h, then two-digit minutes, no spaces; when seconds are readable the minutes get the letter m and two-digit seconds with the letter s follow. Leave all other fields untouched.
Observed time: 10h59
